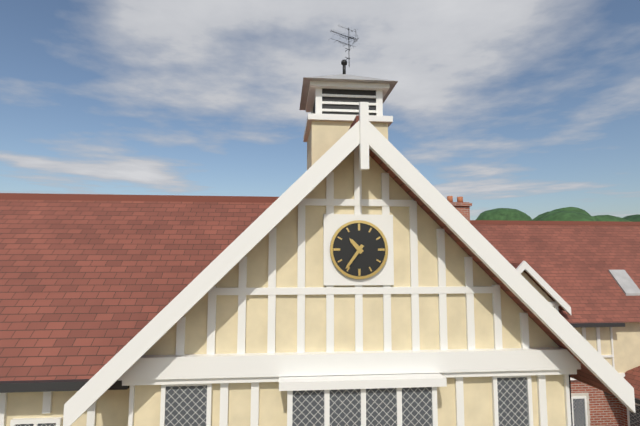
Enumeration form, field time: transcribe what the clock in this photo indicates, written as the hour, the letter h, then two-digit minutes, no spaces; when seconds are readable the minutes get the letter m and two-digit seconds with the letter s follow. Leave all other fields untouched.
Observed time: 10h36
